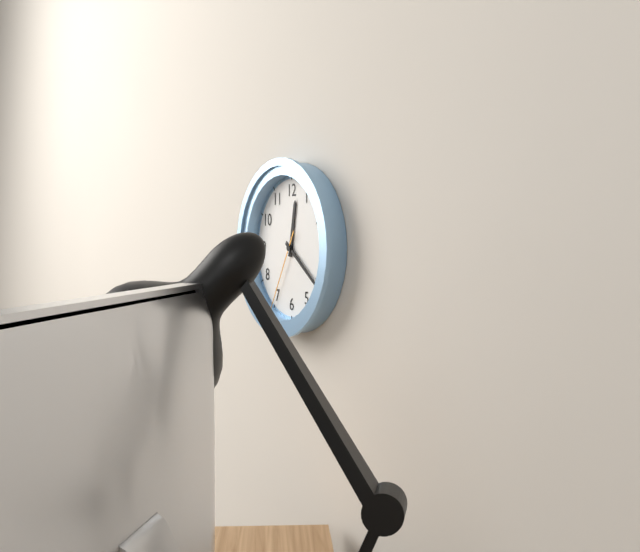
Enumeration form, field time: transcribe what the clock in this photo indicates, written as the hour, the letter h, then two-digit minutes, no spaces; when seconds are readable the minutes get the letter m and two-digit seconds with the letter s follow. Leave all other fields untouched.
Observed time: 12h21m35s
